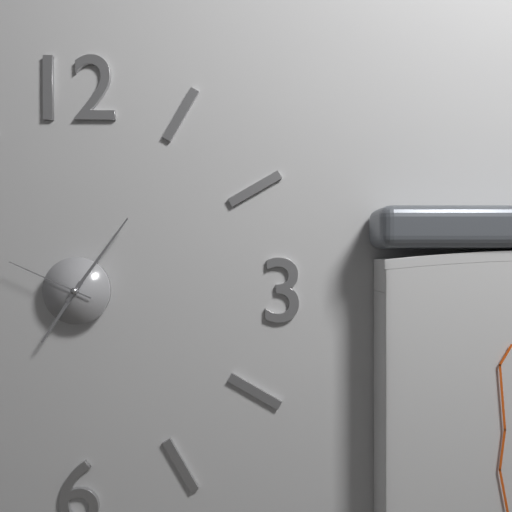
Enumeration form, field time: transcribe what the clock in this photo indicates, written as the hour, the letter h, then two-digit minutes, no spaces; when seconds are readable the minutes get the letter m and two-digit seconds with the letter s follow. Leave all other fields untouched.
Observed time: 7h06m49s
